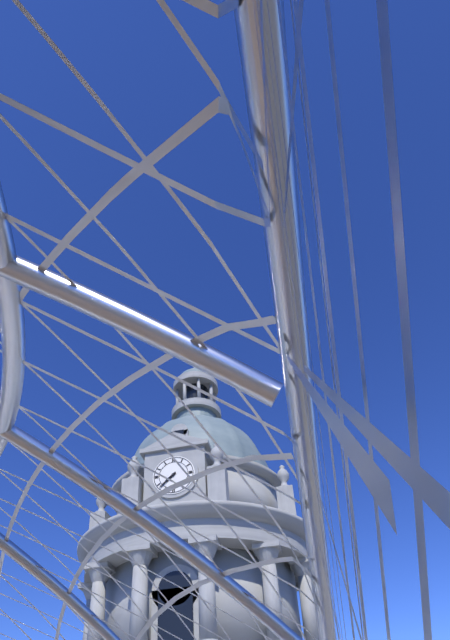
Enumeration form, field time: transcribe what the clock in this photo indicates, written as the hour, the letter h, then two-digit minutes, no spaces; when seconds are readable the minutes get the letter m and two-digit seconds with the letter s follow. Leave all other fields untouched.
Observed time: 7h38
